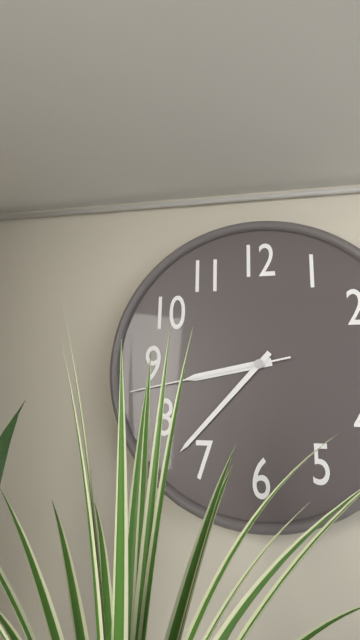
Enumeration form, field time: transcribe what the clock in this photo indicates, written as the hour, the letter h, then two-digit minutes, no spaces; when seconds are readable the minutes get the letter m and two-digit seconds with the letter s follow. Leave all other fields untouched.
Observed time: 8h37m43s
